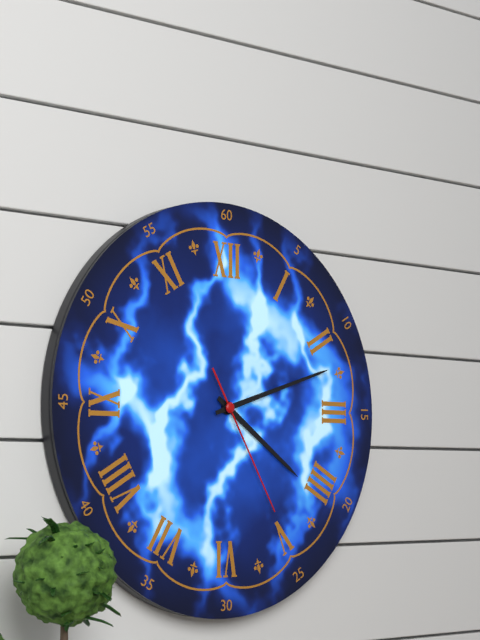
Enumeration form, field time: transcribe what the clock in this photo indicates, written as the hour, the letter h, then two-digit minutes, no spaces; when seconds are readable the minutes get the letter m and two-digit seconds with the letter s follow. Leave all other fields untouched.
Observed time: 4h12m25s
